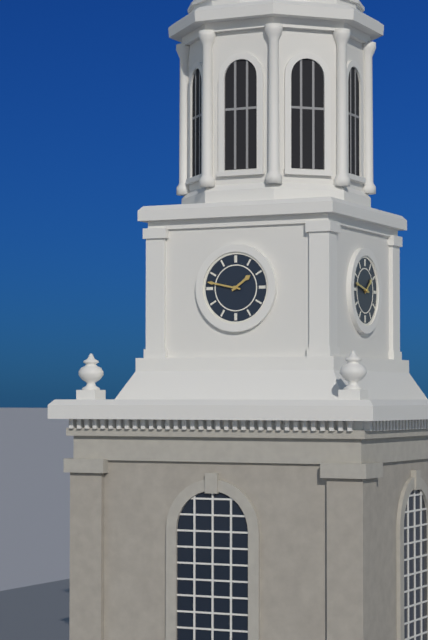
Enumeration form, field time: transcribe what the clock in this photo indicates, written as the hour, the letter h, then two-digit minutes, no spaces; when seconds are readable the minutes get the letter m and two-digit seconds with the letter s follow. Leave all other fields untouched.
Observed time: 1h47
